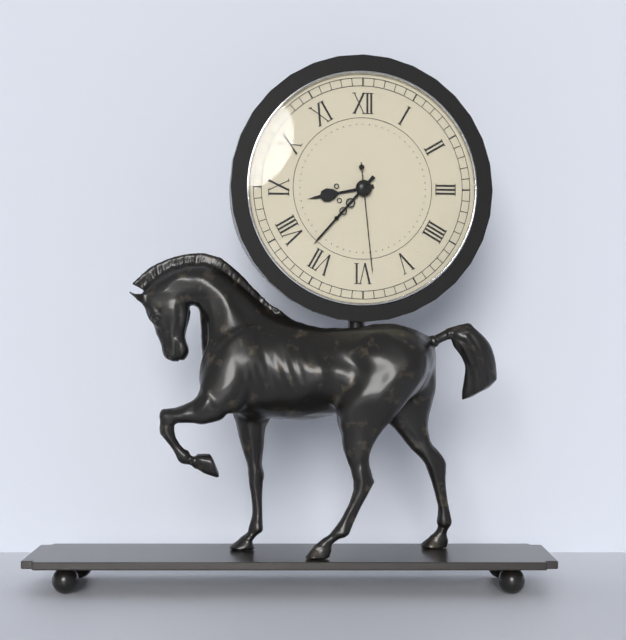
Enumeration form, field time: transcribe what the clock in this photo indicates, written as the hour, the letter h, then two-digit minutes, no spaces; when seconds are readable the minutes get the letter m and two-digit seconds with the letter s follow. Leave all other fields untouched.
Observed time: 8h37m29s
